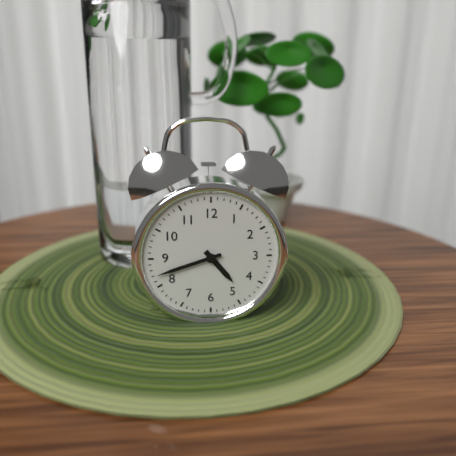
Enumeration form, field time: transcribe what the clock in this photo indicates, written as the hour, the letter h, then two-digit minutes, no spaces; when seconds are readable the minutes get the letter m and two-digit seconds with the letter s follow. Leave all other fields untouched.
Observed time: 4h42
